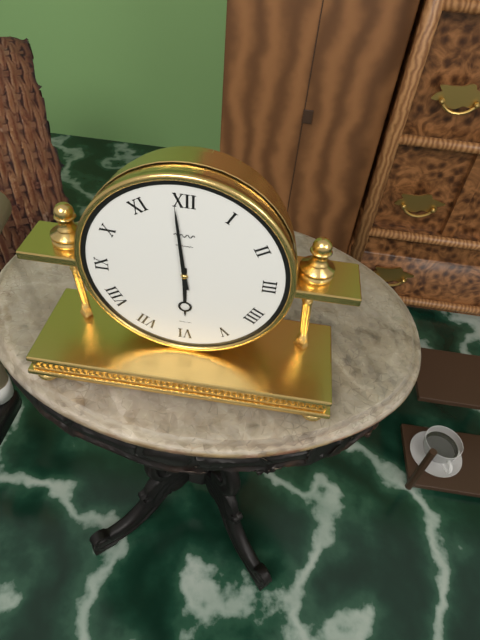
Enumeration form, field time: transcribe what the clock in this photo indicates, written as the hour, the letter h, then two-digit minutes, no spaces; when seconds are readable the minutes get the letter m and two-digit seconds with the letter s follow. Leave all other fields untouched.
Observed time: 5h59
